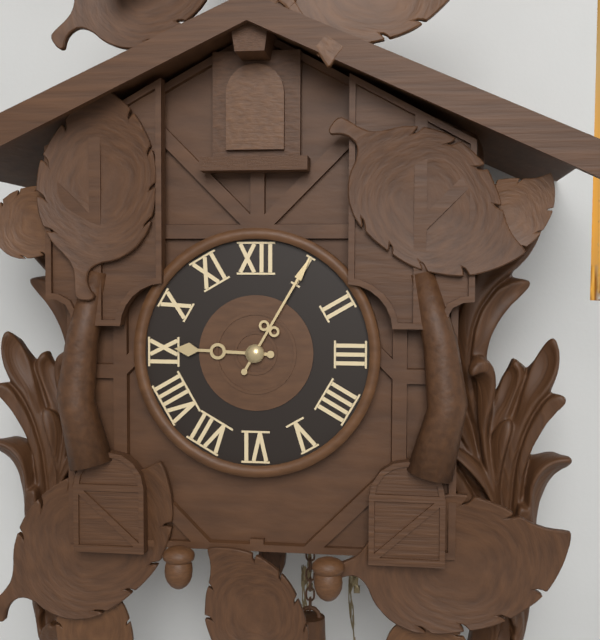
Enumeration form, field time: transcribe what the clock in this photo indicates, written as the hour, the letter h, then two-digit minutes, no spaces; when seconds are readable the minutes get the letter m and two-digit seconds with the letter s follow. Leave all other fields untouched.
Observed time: 9h05
